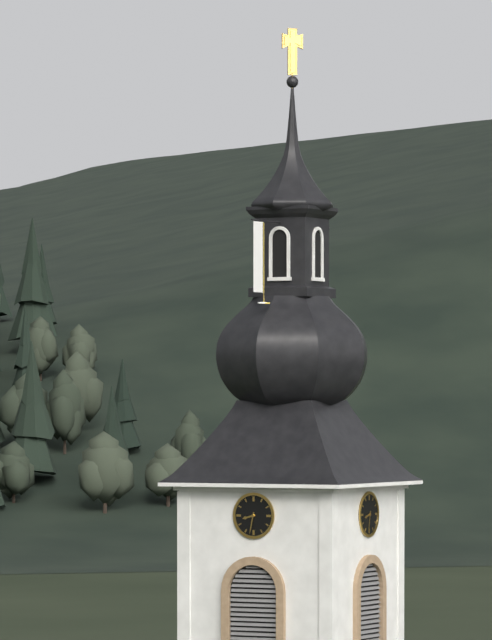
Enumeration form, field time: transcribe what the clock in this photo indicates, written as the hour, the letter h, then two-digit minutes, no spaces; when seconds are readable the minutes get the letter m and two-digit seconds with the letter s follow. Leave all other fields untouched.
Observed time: 8h32
